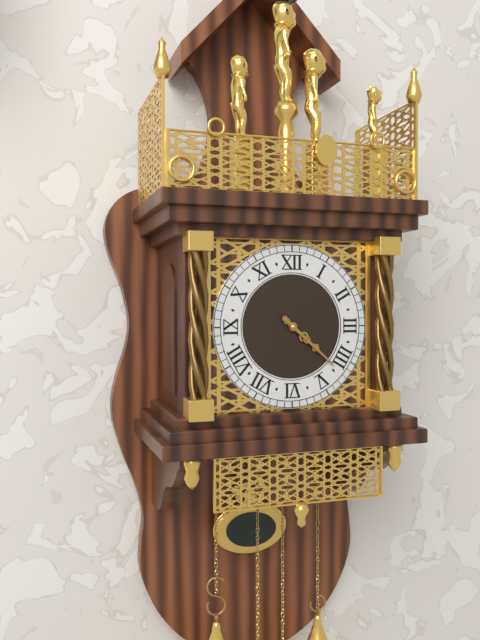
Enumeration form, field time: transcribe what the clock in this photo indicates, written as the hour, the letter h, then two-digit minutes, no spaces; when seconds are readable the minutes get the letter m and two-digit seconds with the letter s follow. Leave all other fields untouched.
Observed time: 4h22
